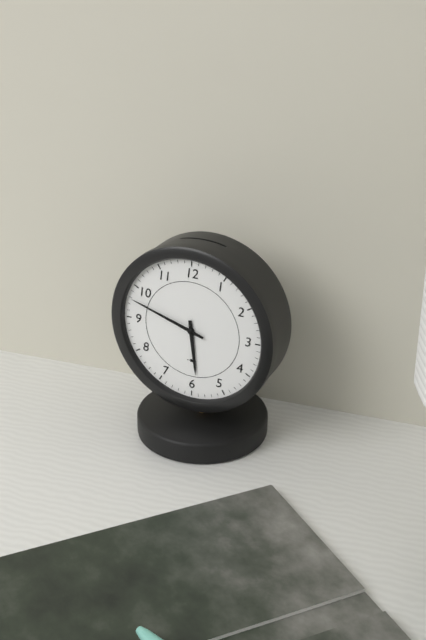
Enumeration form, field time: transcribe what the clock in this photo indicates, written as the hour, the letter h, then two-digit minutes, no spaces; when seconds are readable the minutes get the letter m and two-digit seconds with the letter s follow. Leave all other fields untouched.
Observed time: 5h48
